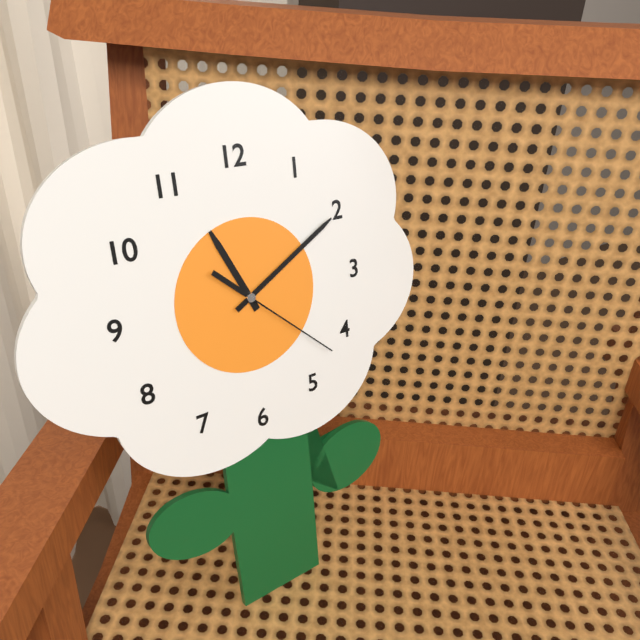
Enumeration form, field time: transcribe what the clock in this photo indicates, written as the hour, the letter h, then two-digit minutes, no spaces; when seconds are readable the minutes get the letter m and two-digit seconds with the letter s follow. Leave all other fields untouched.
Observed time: 11h10m22s
